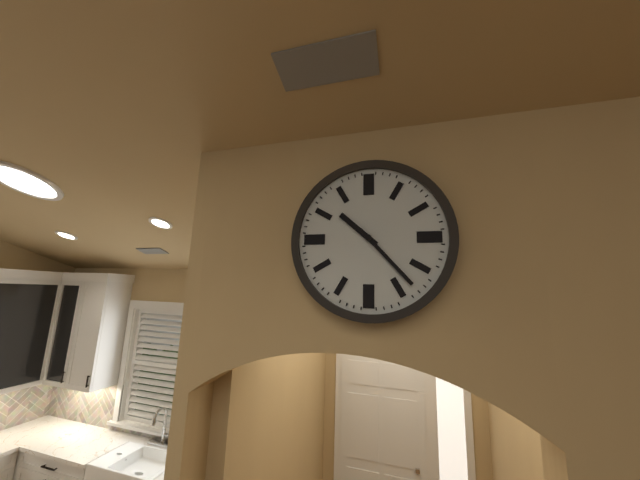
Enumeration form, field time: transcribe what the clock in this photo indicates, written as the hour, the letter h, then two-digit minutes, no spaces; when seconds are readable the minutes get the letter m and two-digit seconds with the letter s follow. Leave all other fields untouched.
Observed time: 10h23
